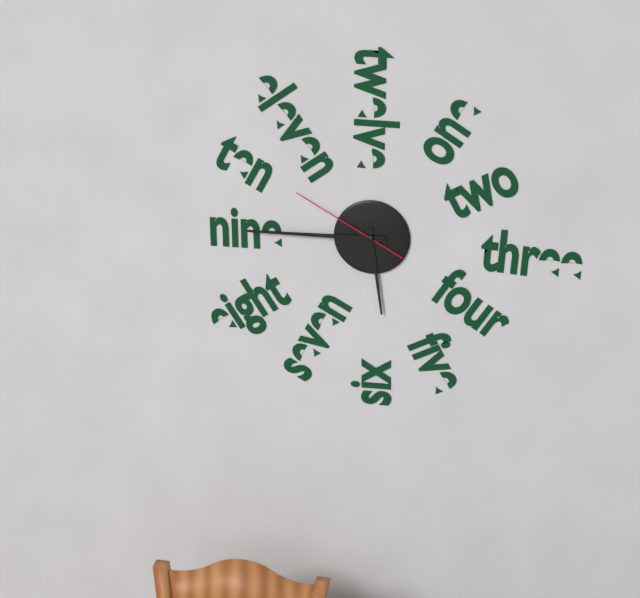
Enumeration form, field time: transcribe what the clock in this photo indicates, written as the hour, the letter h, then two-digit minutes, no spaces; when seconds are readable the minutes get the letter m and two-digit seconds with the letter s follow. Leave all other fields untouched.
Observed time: 5h45m50s
